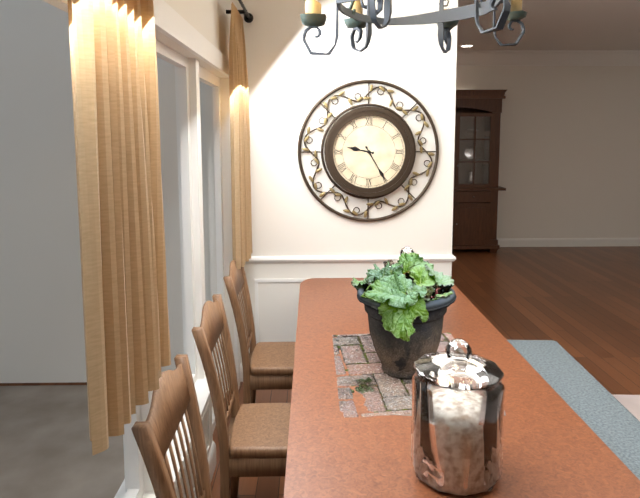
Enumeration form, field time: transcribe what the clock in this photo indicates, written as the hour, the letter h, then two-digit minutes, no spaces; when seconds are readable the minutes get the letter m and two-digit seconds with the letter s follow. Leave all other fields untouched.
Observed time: 9h25
